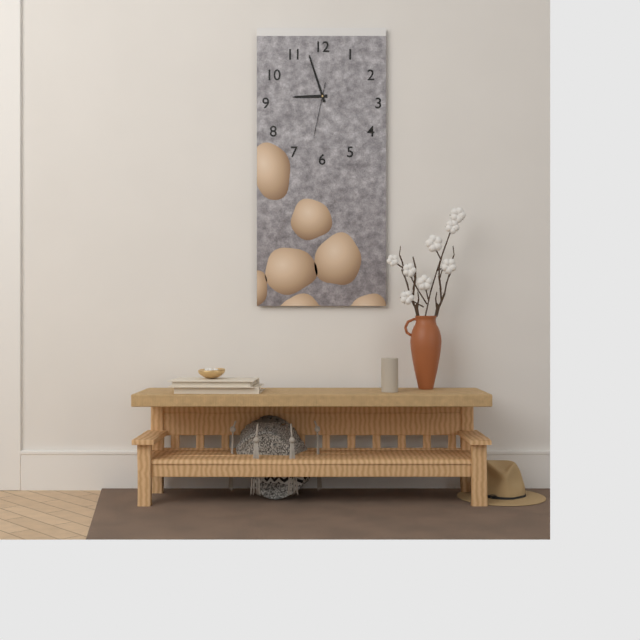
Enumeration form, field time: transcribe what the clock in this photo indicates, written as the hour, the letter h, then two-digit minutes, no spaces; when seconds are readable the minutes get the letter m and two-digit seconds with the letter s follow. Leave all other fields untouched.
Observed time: 8h57m32s
